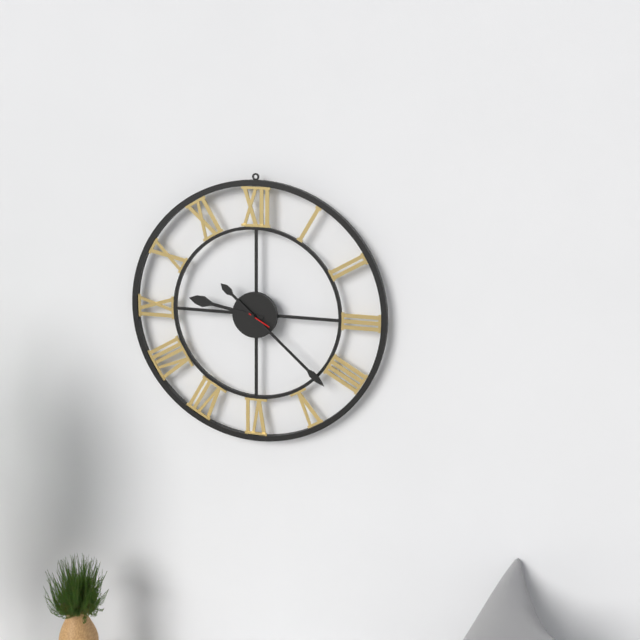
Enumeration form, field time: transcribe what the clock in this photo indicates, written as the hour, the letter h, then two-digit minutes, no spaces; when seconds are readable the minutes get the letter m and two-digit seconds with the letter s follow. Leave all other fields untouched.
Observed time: 9h22
